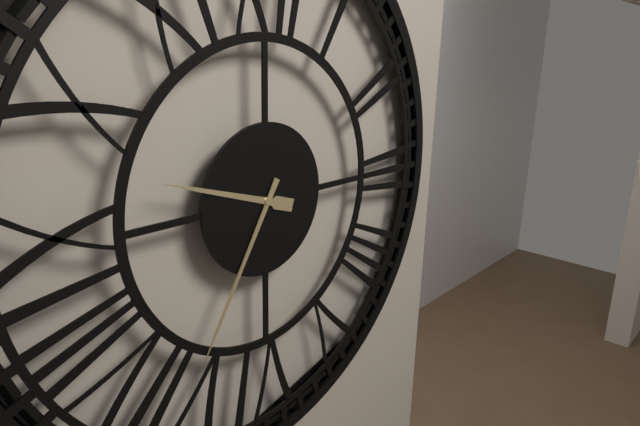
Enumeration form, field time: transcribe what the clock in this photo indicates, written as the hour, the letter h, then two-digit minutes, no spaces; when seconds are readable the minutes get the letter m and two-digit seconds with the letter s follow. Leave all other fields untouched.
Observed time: 9h35
